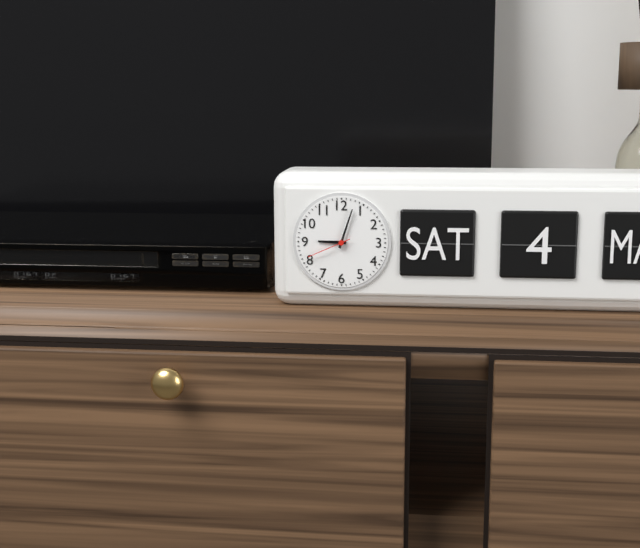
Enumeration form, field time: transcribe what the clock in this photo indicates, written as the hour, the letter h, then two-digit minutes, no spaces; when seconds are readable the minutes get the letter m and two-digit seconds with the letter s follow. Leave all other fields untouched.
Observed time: 9h03
